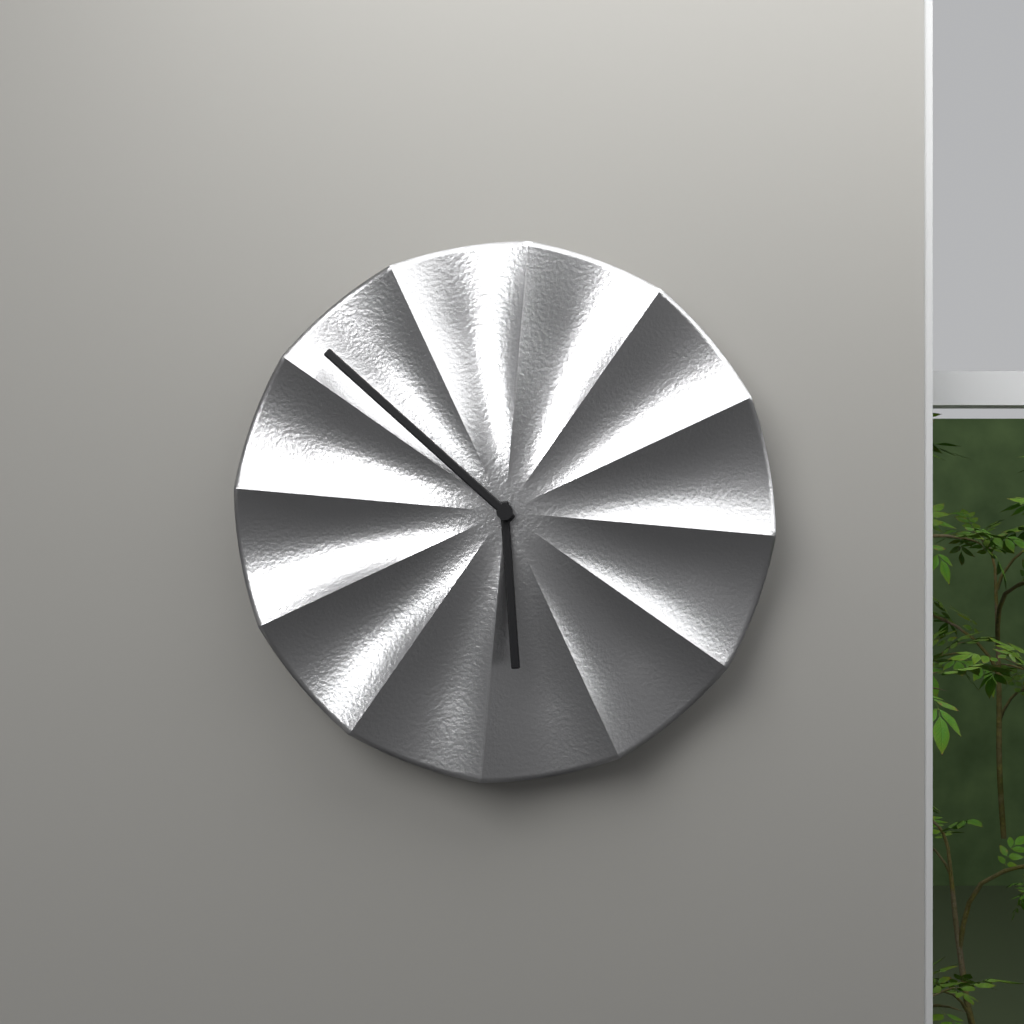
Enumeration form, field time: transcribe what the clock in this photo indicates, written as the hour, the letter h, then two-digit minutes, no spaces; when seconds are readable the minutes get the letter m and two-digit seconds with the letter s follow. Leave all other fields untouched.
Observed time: 5h52
